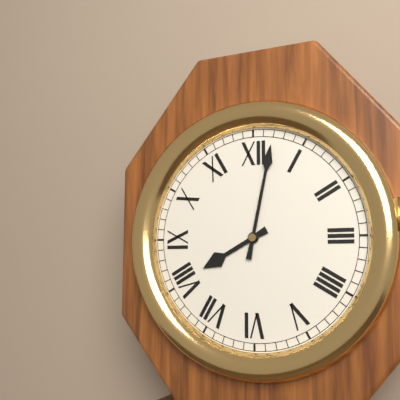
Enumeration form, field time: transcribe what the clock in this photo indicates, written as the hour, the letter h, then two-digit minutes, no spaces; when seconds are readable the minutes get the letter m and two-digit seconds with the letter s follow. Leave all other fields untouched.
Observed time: 8h02
